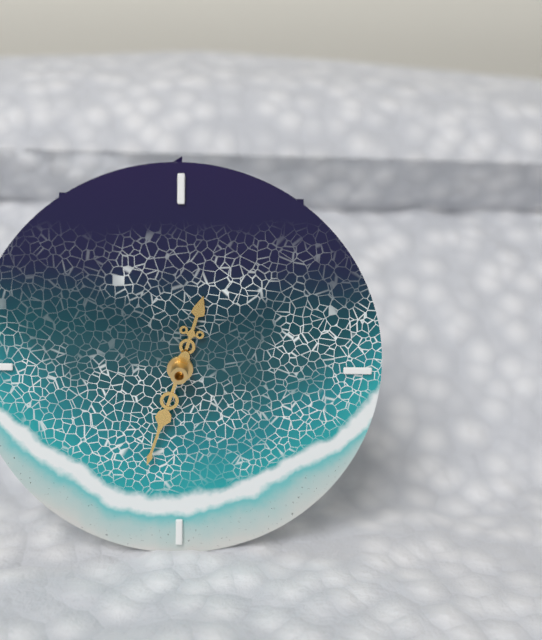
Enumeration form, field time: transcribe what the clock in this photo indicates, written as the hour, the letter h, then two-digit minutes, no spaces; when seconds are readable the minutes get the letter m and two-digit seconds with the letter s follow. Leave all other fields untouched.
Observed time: 12h33
